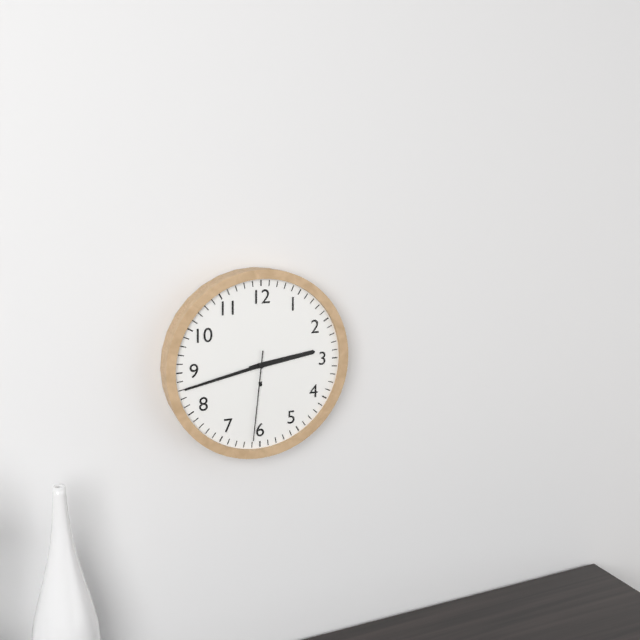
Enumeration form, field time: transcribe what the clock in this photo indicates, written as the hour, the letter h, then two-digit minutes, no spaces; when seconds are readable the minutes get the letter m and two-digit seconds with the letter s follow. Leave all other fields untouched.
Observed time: 2h43m31s
